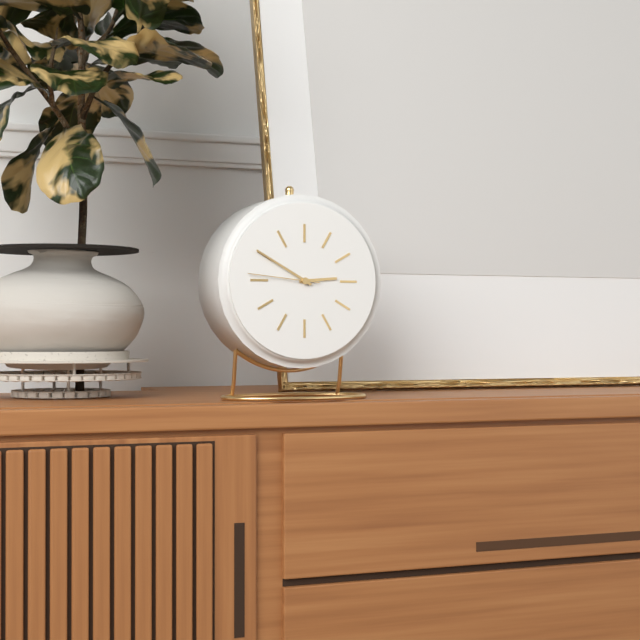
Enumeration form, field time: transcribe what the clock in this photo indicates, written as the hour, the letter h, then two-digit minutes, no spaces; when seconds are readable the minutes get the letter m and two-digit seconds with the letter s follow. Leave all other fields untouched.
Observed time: 2h50m46s
